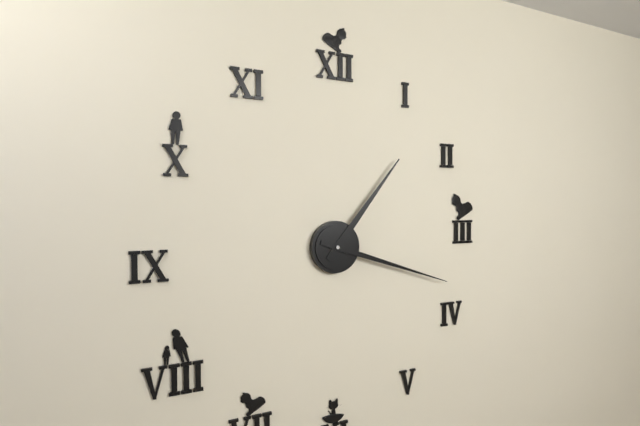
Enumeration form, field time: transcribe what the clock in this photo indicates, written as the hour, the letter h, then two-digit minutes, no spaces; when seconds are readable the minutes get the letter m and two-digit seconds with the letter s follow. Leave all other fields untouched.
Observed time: 1h18
